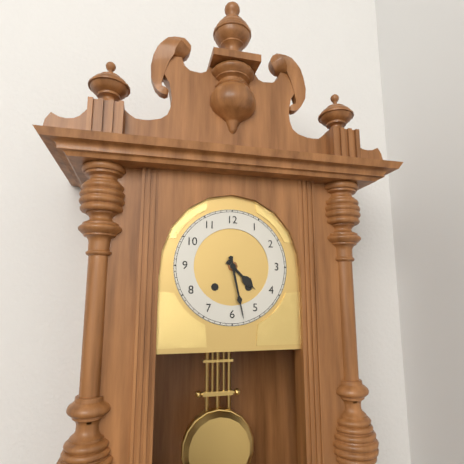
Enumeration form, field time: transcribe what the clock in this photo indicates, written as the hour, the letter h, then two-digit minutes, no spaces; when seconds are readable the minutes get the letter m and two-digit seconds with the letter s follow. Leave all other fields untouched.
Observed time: 4h28
